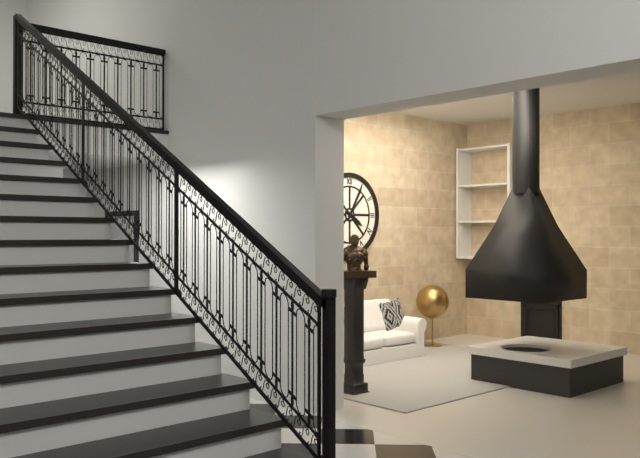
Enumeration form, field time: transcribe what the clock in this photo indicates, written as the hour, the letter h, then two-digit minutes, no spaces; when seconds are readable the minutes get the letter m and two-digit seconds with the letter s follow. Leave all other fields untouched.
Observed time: 4h05
